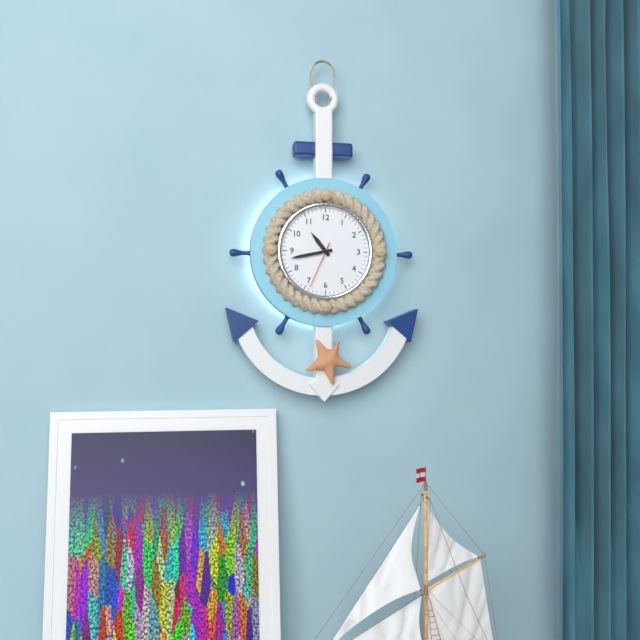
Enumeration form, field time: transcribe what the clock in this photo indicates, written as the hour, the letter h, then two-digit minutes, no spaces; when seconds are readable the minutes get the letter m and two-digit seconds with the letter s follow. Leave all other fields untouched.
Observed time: 10h43
